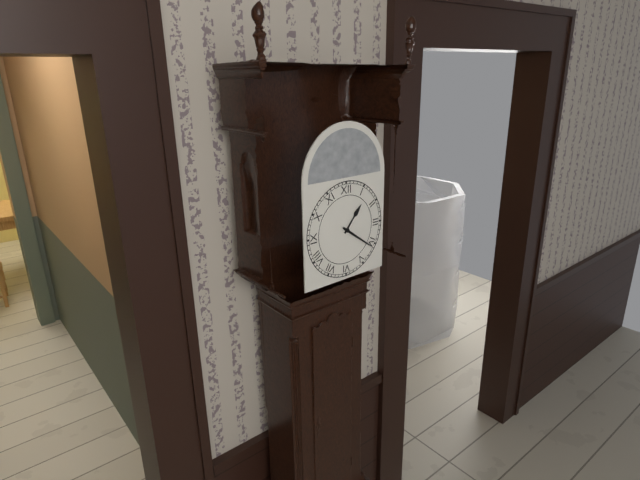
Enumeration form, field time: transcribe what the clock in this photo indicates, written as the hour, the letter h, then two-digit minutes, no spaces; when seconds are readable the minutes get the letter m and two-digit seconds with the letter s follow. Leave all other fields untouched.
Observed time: 1h21
